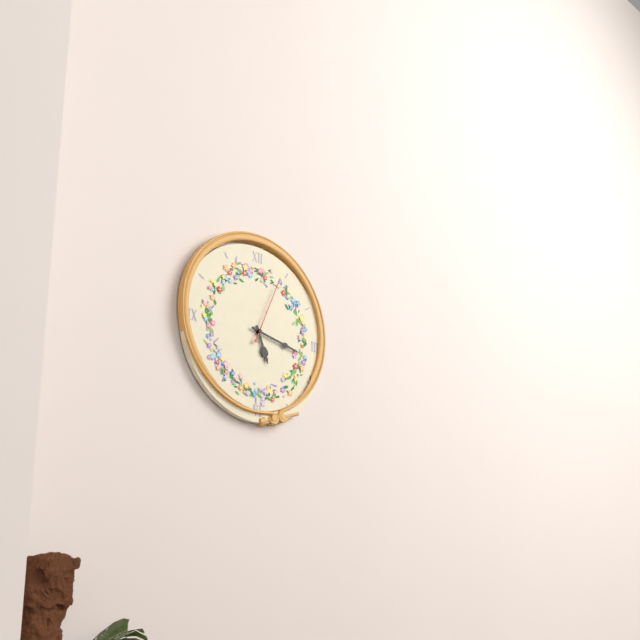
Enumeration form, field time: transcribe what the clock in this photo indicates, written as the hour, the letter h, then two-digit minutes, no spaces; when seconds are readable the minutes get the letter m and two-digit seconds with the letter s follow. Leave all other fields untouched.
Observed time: 5h17m04s
